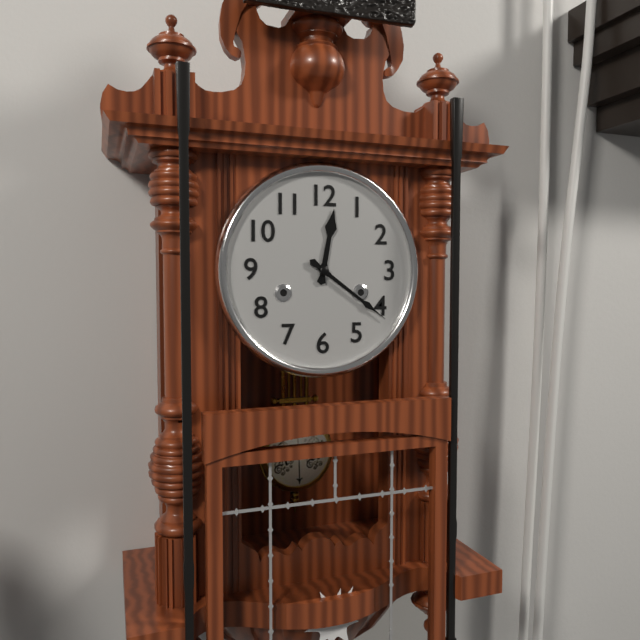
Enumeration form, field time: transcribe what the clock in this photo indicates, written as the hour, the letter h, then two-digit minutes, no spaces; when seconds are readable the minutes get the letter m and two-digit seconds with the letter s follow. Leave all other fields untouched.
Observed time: 12h21
